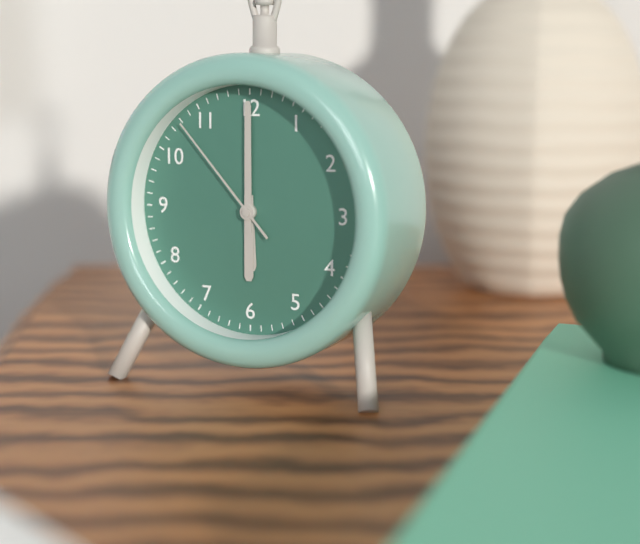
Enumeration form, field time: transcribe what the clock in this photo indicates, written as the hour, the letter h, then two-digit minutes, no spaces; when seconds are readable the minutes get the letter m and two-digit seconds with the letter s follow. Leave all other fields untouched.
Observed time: 6h00m53s
